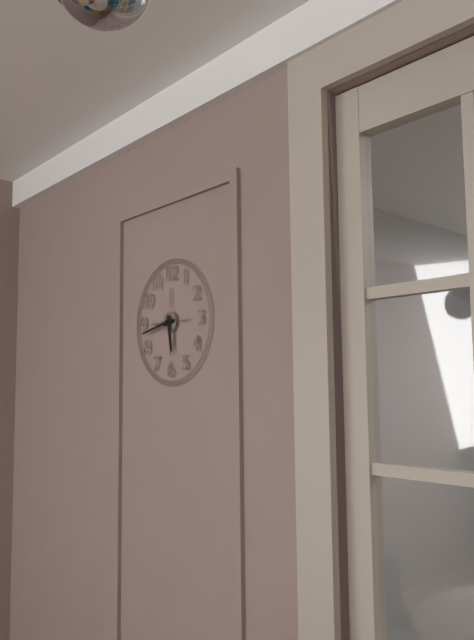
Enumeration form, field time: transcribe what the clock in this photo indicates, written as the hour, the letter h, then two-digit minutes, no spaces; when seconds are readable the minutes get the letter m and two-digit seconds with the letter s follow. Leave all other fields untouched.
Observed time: 5h43
